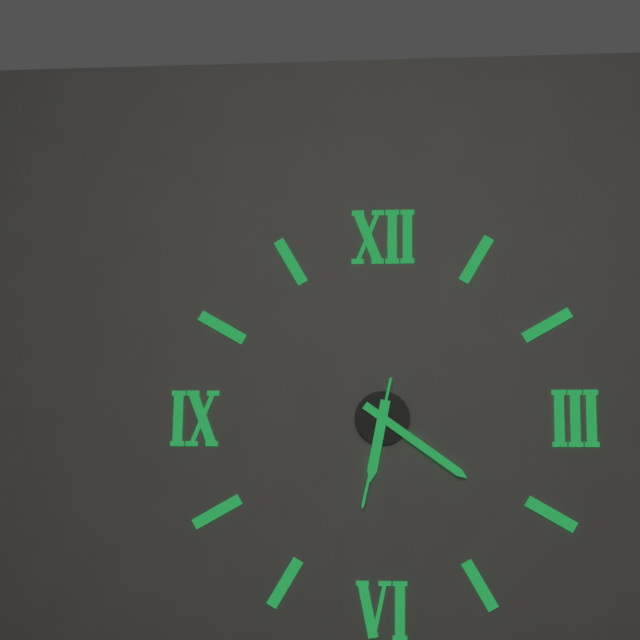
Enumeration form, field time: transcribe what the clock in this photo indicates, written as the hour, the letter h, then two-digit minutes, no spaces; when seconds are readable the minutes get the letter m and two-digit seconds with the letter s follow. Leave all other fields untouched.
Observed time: 6h21m32s
